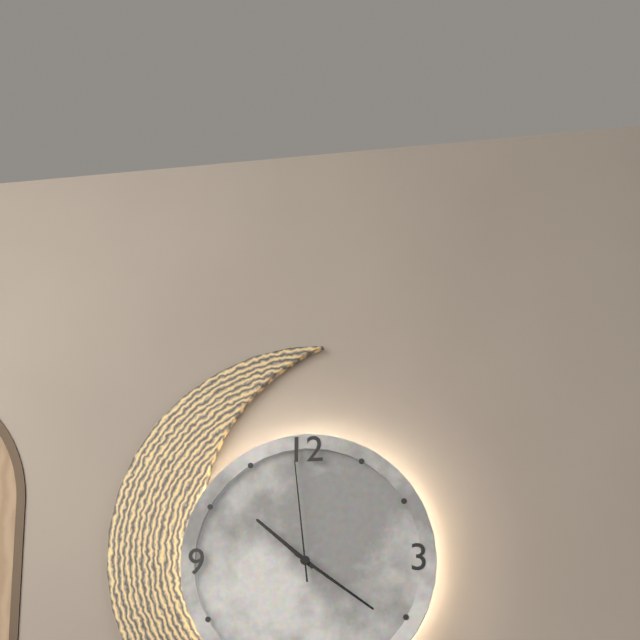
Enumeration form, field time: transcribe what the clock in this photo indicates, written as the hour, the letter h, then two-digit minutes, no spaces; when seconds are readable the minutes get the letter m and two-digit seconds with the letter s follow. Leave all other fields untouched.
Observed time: 10h21m59s
